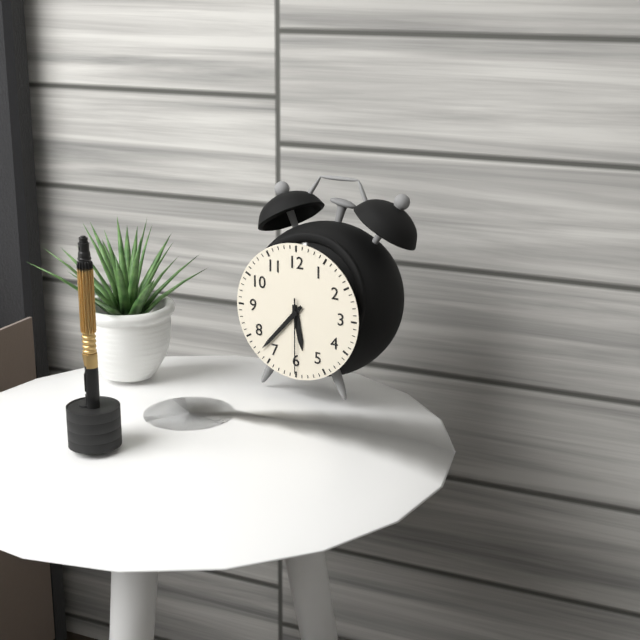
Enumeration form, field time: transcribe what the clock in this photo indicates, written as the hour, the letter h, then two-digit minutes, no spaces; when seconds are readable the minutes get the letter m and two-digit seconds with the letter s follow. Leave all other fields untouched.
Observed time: 5h37m30s
